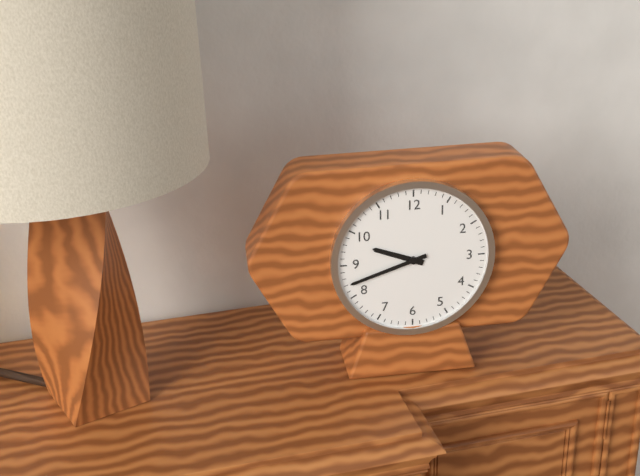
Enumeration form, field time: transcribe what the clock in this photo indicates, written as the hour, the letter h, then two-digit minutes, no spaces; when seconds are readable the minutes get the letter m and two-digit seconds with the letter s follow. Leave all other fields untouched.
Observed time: 9h42
